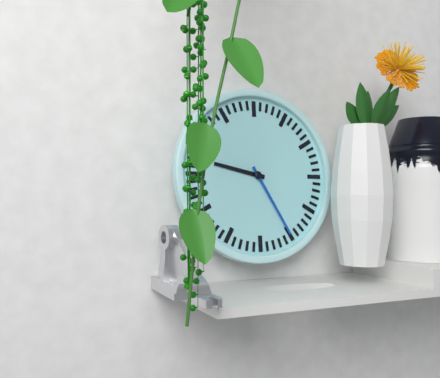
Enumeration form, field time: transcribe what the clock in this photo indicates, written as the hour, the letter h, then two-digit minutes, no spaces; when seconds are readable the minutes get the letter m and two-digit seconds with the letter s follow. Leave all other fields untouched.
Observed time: 9h25
